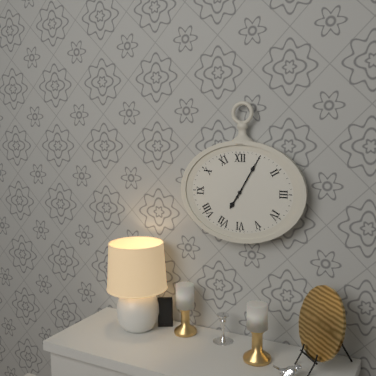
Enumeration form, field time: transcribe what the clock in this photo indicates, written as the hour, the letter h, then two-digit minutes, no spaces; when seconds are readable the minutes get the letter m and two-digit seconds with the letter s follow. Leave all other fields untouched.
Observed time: 7h05
